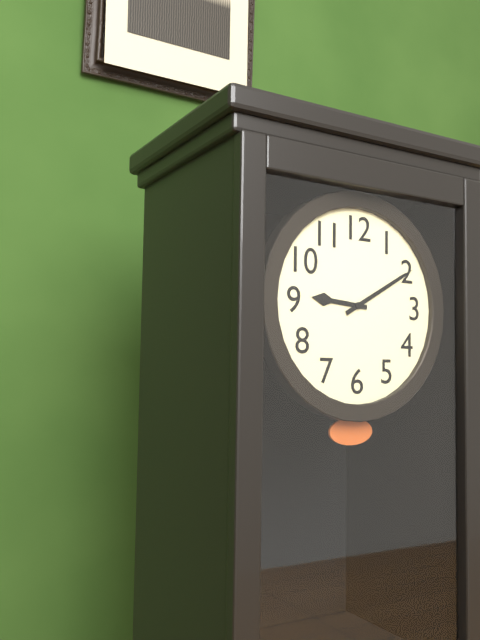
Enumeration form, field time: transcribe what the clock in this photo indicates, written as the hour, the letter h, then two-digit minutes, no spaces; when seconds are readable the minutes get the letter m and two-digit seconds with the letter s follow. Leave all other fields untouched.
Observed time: 9h10
